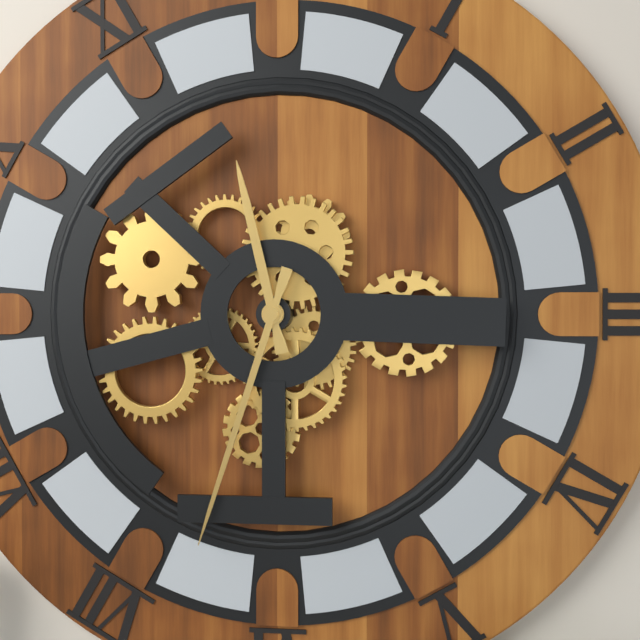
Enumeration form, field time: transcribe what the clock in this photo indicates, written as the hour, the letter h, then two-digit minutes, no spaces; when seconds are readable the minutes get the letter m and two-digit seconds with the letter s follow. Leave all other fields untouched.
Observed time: 11h33
